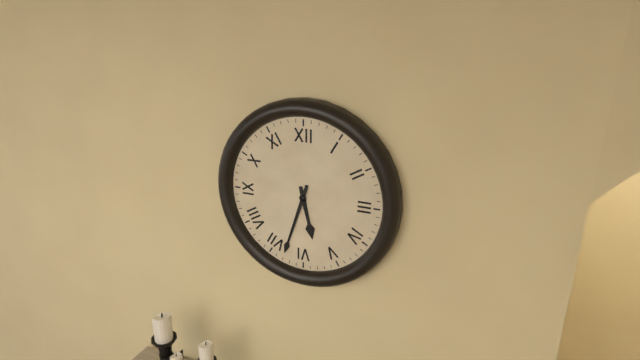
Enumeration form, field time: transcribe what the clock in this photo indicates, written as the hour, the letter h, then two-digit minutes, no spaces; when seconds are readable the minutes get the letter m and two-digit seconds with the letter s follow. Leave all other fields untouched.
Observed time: 5h33
